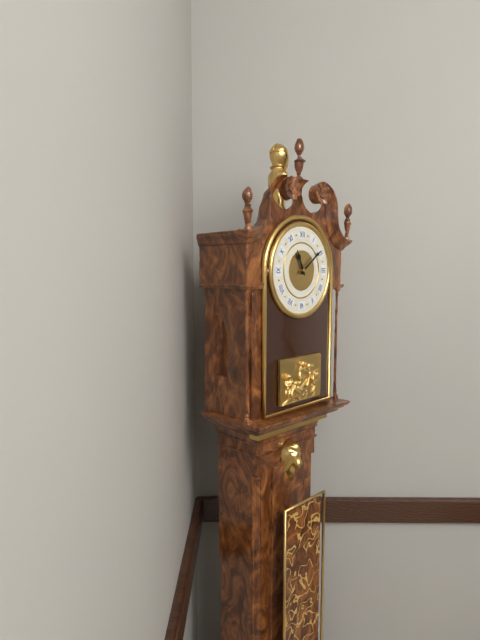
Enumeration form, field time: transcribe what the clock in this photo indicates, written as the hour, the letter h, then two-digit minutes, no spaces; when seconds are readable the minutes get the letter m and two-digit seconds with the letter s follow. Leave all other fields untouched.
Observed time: 11h09
